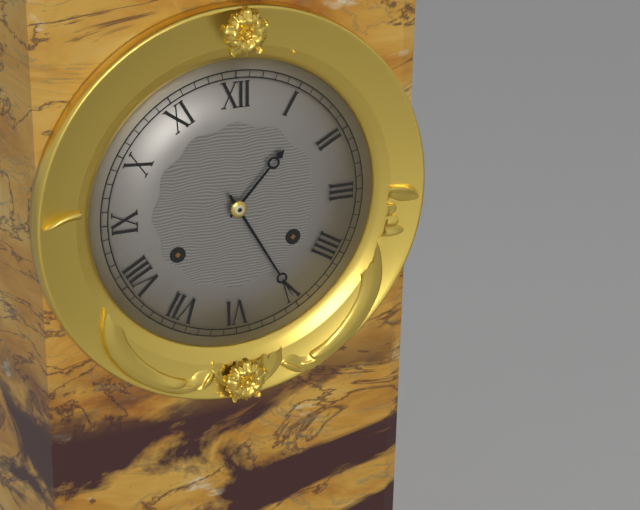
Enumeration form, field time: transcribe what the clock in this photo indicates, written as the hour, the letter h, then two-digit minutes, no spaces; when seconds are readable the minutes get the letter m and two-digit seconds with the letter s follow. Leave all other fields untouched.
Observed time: 1h25
